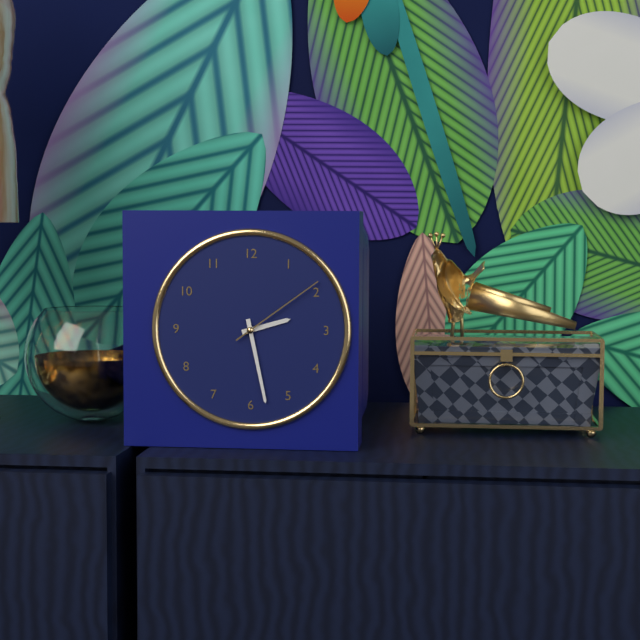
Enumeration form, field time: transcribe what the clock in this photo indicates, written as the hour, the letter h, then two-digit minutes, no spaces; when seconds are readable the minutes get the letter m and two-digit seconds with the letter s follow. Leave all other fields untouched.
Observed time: 2h28m09s
